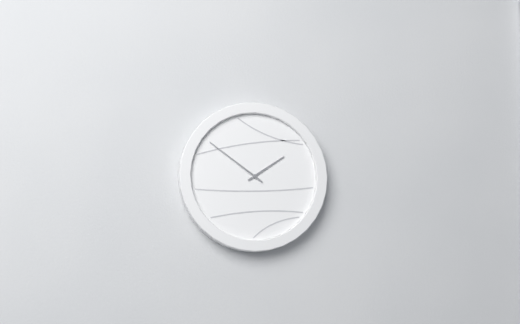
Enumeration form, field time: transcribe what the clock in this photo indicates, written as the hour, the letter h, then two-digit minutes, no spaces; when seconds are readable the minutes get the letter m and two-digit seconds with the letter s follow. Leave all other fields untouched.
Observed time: 1h51
